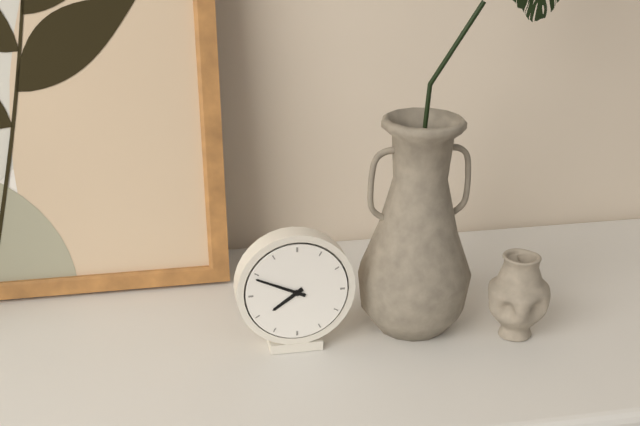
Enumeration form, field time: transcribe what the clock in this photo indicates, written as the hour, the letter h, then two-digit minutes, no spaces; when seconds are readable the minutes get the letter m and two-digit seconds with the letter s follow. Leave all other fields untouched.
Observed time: 7h49
